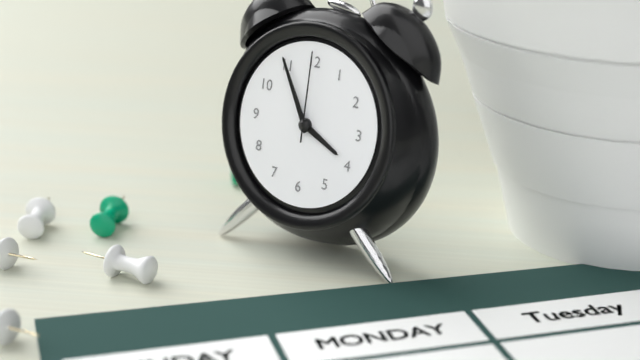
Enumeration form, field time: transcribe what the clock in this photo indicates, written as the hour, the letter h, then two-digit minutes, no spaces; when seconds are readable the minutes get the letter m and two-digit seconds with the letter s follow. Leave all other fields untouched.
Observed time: 3h55m00s
